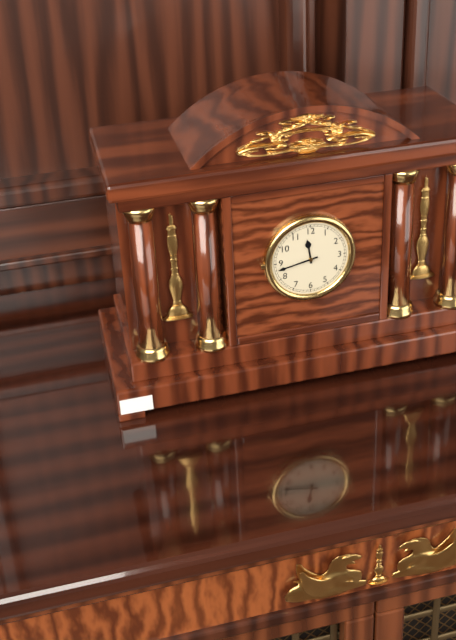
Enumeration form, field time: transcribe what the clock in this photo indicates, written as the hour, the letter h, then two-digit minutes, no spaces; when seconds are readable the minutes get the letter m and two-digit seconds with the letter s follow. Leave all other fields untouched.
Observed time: 11h43
